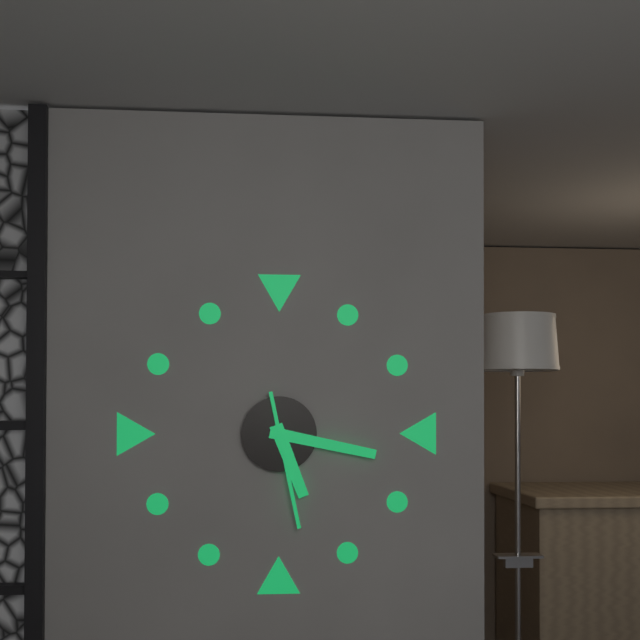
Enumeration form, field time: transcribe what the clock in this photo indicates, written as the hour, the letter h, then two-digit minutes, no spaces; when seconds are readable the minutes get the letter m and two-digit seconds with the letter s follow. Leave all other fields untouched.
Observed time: 5h17m28s
